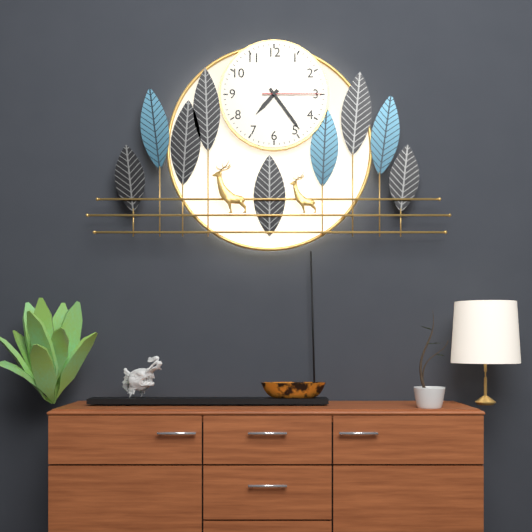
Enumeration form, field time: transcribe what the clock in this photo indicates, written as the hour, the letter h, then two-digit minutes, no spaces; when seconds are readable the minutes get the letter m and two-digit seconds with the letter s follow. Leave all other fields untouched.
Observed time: 7h24m15s
